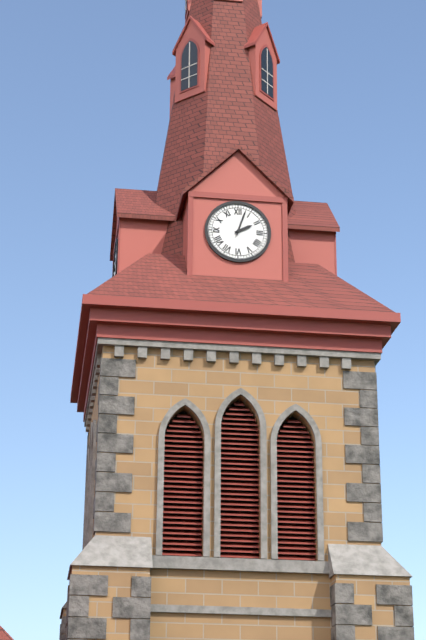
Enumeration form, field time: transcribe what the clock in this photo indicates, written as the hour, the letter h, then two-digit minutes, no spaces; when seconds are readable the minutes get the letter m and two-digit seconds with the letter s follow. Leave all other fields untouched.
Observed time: 2h03
